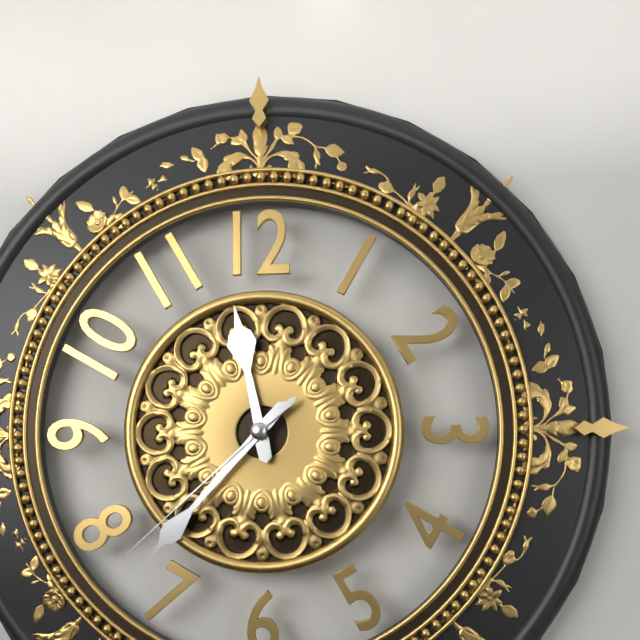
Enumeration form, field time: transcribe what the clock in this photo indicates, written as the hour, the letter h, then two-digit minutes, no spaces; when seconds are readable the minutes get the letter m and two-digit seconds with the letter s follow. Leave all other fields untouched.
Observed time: 11h37m38s
